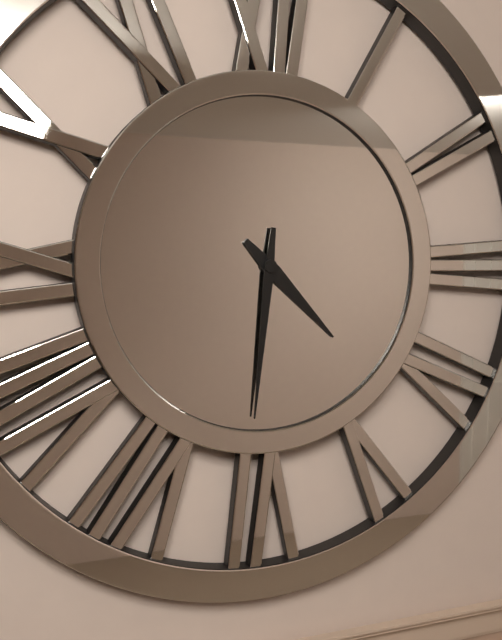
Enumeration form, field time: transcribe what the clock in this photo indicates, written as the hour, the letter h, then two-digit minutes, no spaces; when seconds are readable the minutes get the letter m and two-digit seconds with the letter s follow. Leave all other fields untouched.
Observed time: 4h31
